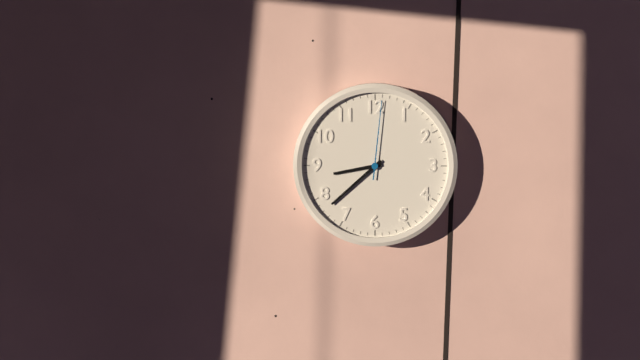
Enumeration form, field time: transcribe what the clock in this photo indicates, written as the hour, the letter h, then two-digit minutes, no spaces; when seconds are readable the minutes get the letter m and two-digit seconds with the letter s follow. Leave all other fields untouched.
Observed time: 8h38m01s
